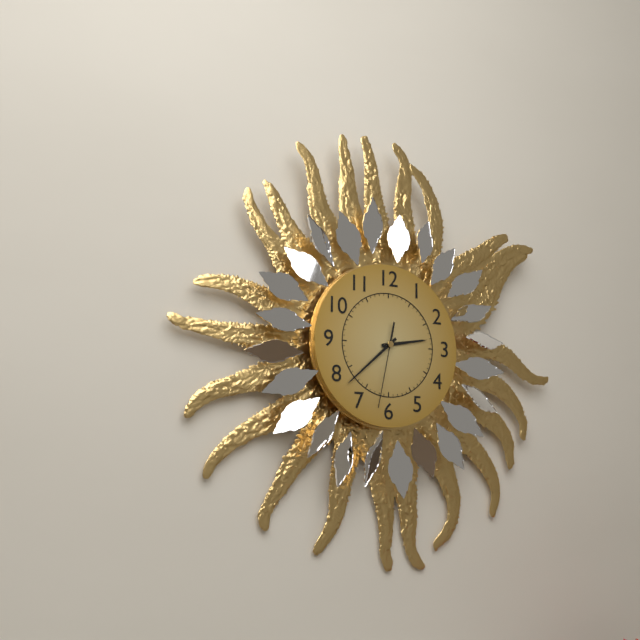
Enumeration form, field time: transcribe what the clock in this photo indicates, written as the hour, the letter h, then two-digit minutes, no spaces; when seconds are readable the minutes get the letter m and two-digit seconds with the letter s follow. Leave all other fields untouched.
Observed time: 2h38m32s
